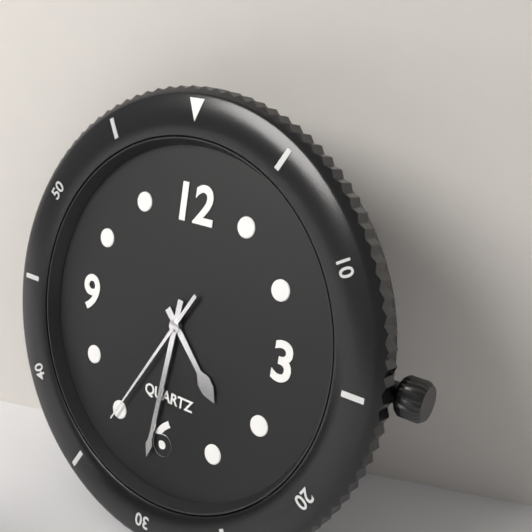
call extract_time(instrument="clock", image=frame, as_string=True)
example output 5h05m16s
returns 4h31m35s
